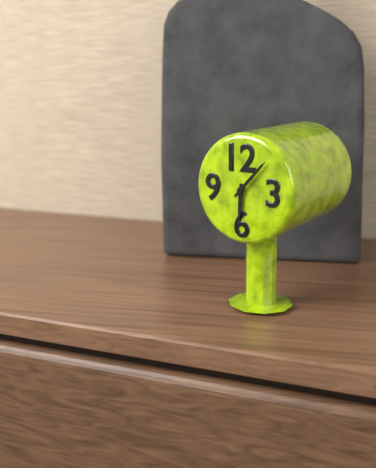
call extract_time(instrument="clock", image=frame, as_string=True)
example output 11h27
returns 6h07
